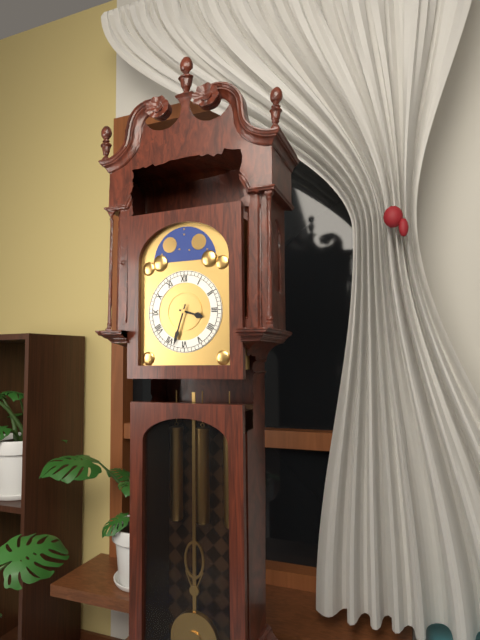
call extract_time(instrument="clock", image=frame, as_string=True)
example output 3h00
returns 3h33
